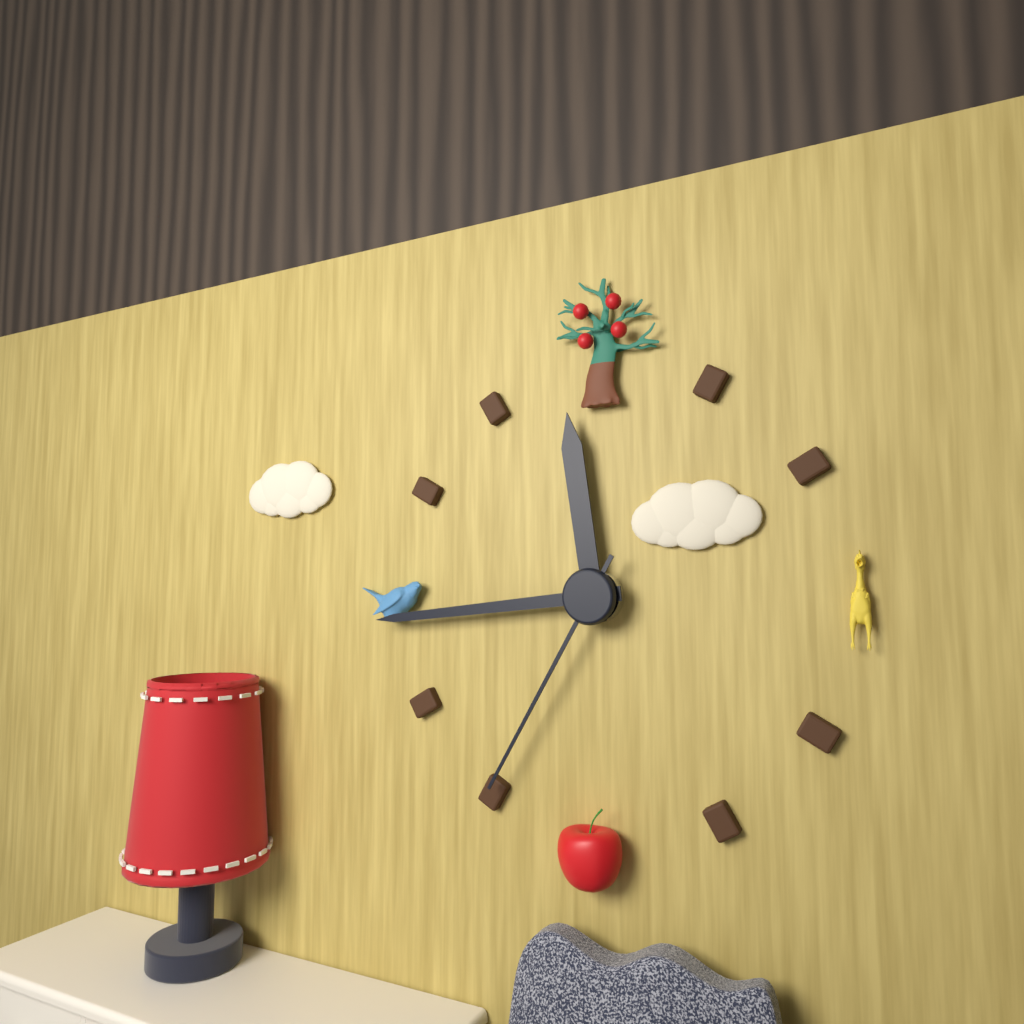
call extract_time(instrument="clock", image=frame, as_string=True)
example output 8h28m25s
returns 11h44m35s
